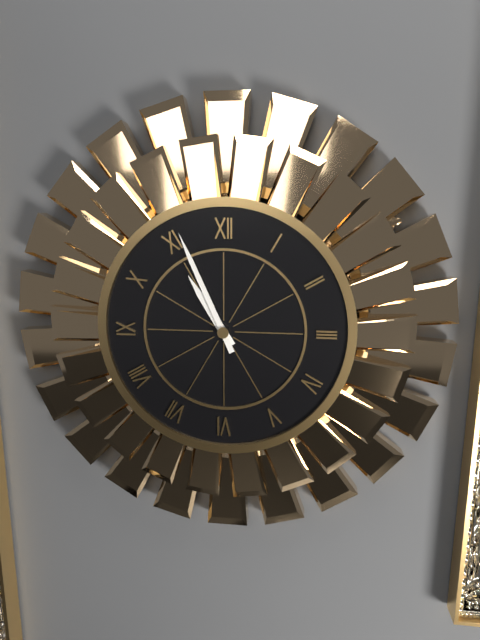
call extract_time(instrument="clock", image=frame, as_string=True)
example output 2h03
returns 10h56
